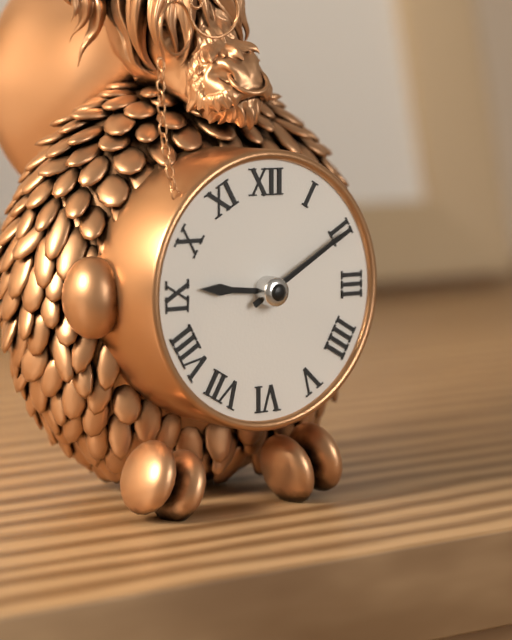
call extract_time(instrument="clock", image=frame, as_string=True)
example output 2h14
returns 9h10
